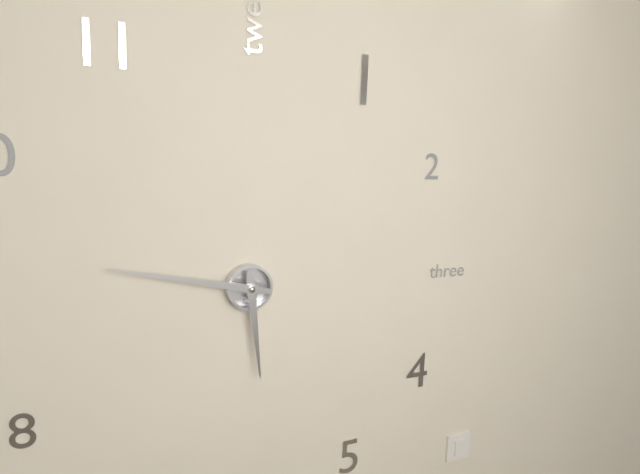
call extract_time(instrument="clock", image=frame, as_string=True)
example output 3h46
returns 5h47
